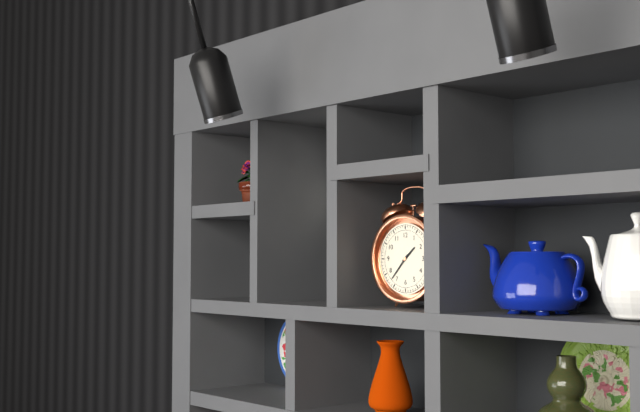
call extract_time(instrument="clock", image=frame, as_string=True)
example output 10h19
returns 1h37
